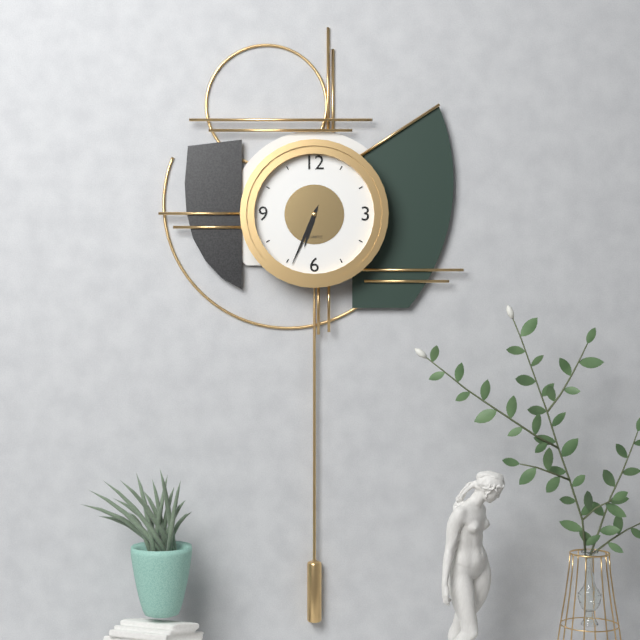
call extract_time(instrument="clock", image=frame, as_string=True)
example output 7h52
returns 6h34
